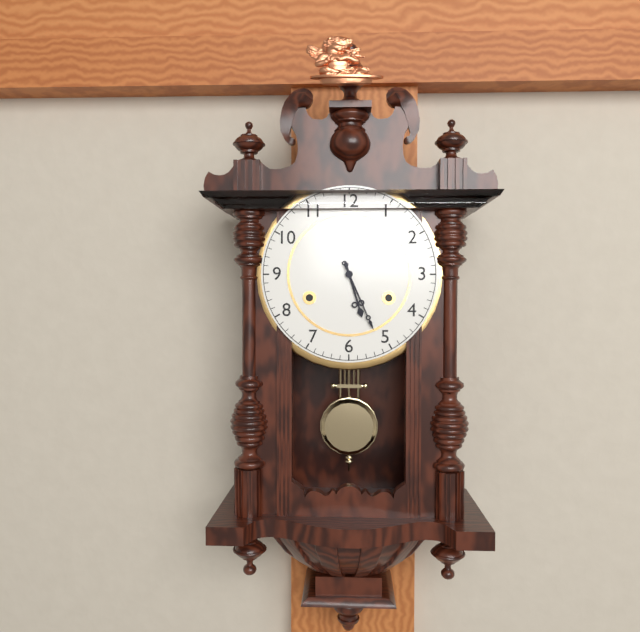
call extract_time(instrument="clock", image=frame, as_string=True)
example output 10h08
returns 5h26
